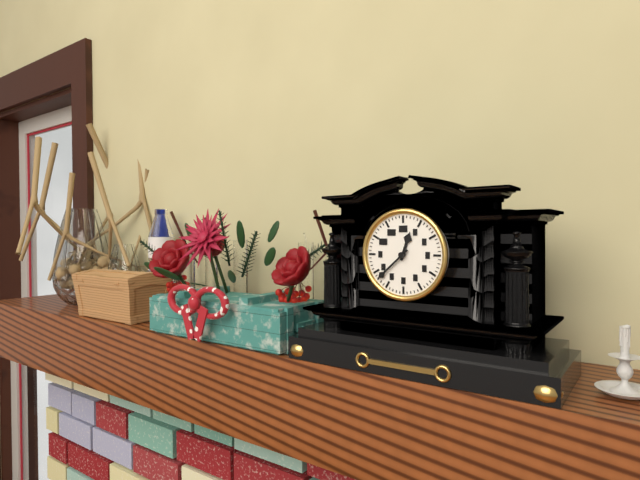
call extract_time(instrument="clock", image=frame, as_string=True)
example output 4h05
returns 12h38
